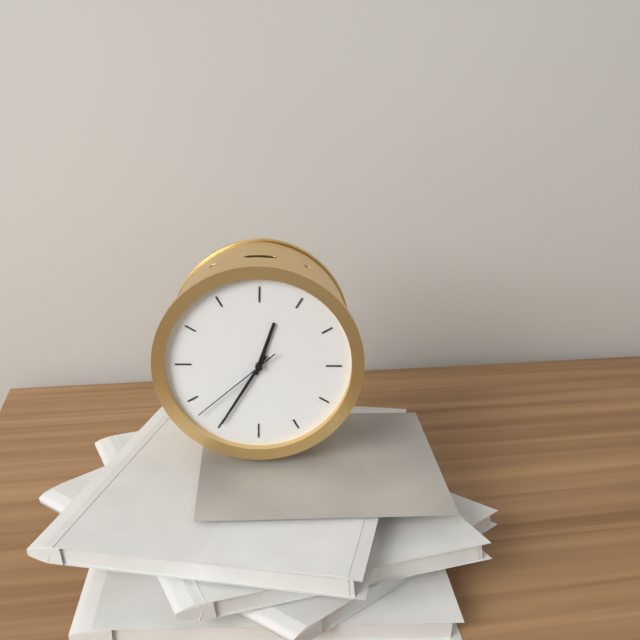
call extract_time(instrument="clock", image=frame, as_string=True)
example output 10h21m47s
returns 12h35m38s
